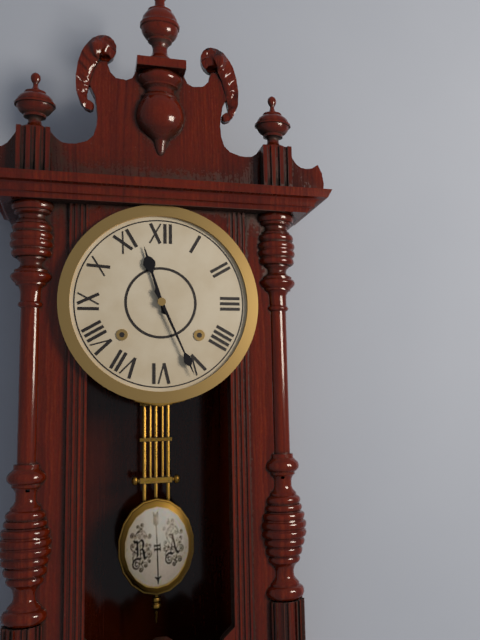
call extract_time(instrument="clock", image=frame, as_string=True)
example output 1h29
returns 11h26
